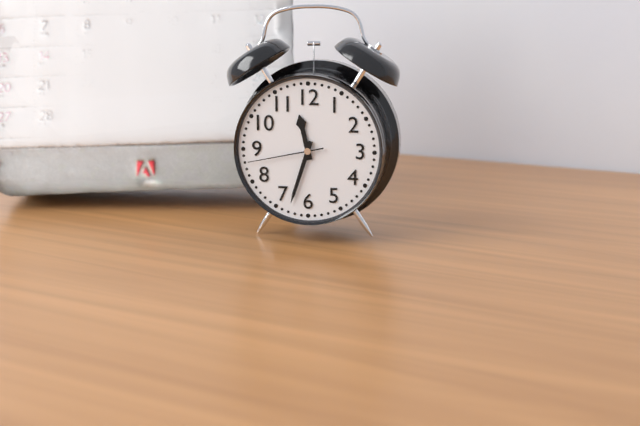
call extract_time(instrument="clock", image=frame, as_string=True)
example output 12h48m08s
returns 11h33m43s
